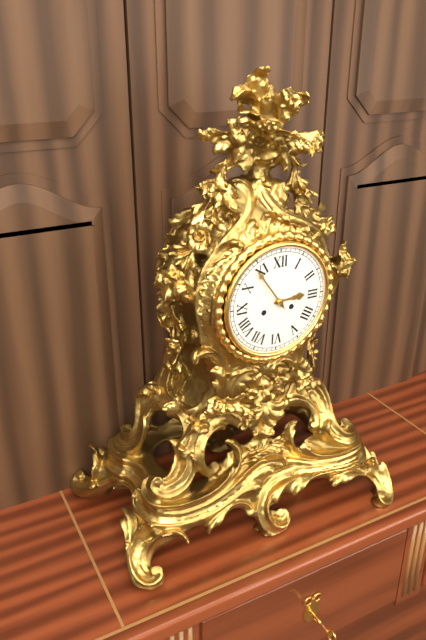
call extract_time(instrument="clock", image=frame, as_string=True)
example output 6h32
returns 2h54
